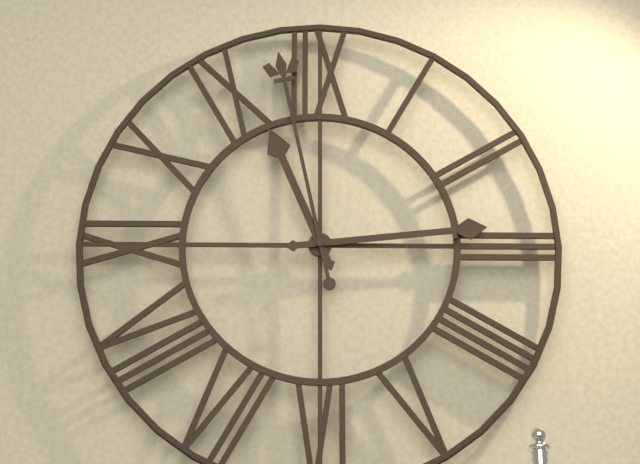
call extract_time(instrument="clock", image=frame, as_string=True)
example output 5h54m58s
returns 11h14m58s
